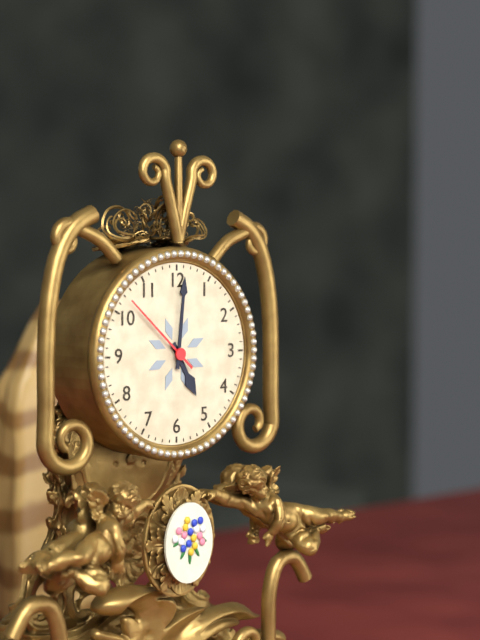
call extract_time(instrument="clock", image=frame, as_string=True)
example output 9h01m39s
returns 5h01m52s
